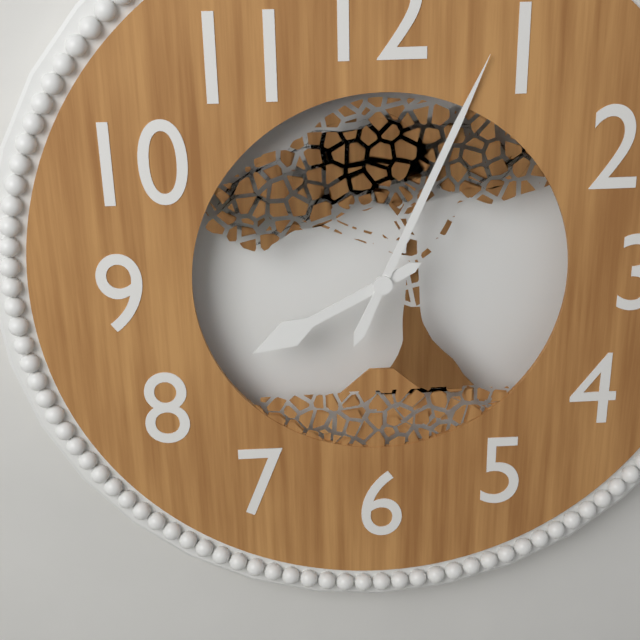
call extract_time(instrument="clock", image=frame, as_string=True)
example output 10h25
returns 8h04
